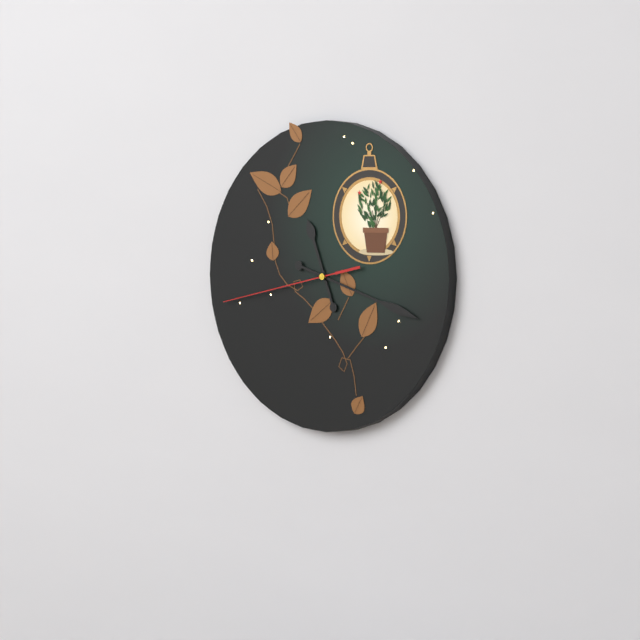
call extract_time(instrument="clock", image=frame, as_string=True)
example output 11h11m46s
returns 11h18m43s
